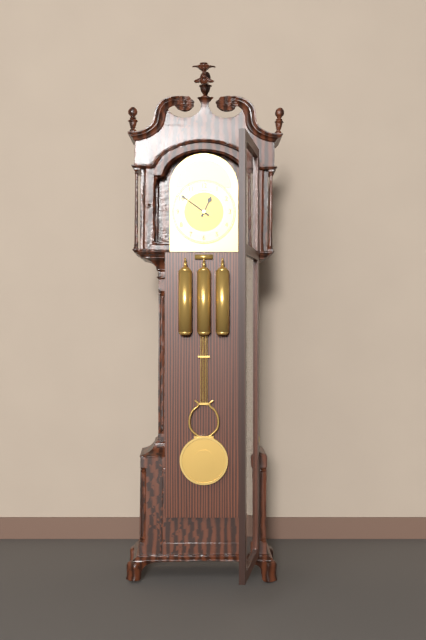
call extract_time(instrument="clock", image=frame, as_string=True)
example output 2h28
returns 12h51
